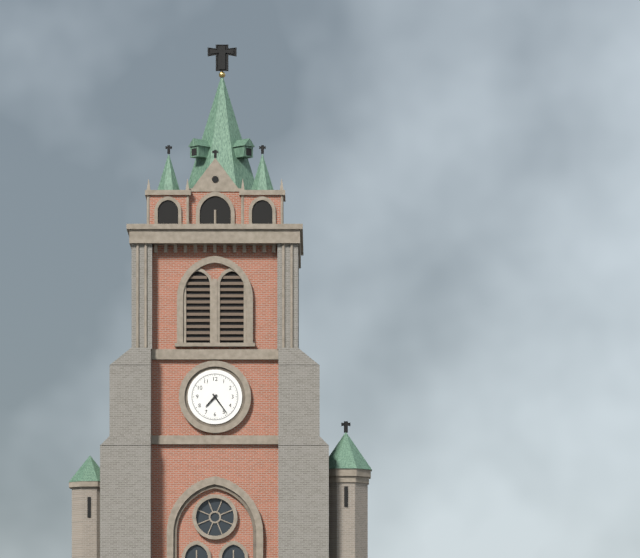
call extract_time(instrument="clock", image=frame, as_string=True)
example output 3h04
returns 7h24
